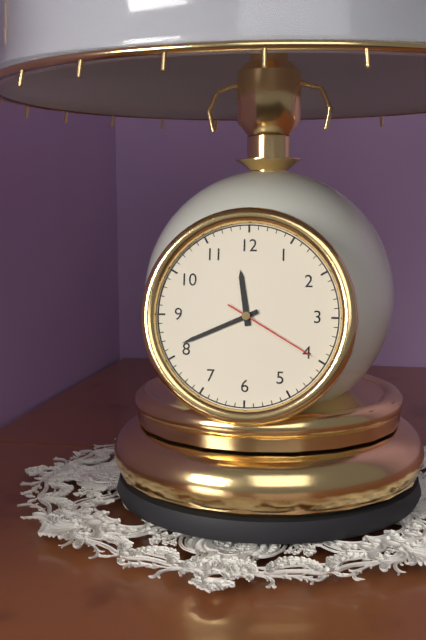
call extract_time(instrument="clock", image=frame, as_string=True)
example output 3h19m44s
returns 11h41m20s
